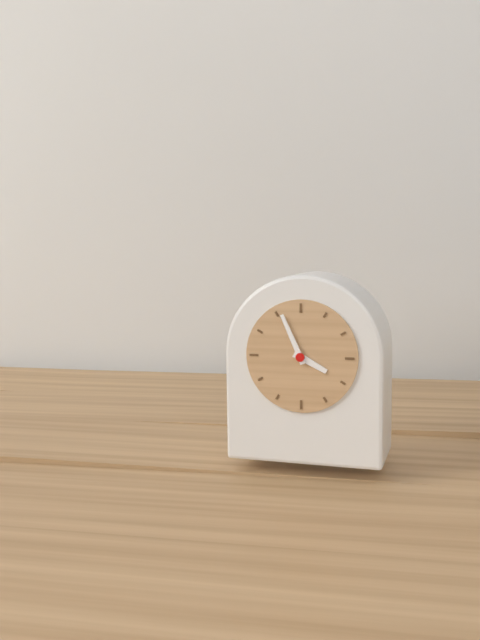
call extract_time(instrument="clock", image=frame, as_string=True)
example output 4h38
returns 3h56
